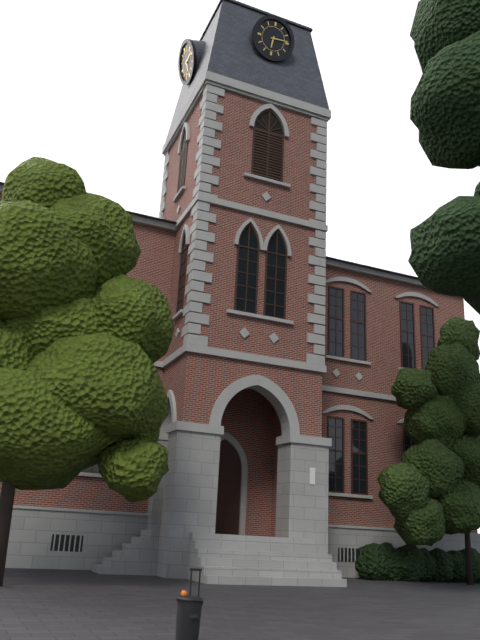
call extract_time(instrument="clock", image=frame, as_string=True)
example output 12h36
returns 6h14
